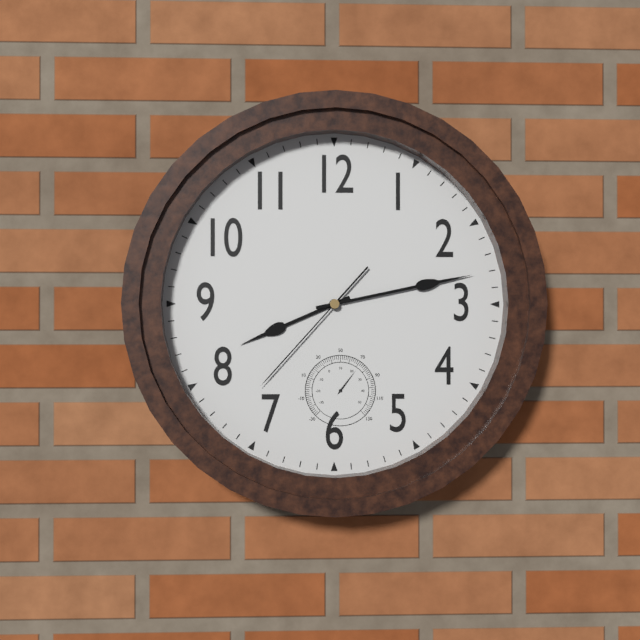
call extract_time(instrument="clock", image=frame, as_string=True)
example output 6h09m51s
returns 8h13m37s
